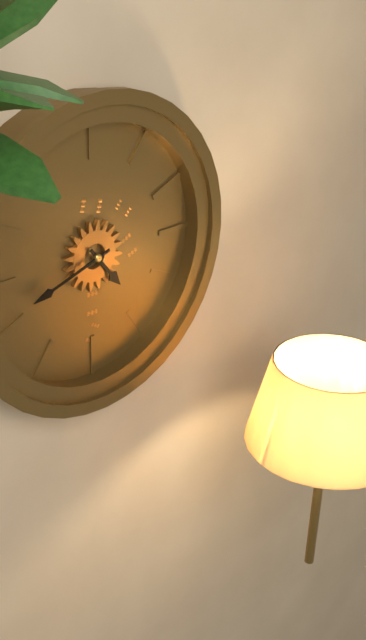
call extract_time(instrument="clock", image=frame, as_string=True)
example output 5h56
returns 4h42
